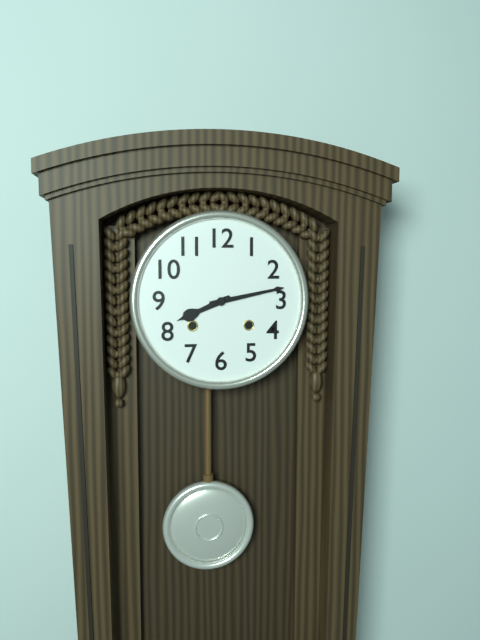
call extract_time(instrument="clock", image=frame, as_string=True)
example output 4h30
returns 8h13
